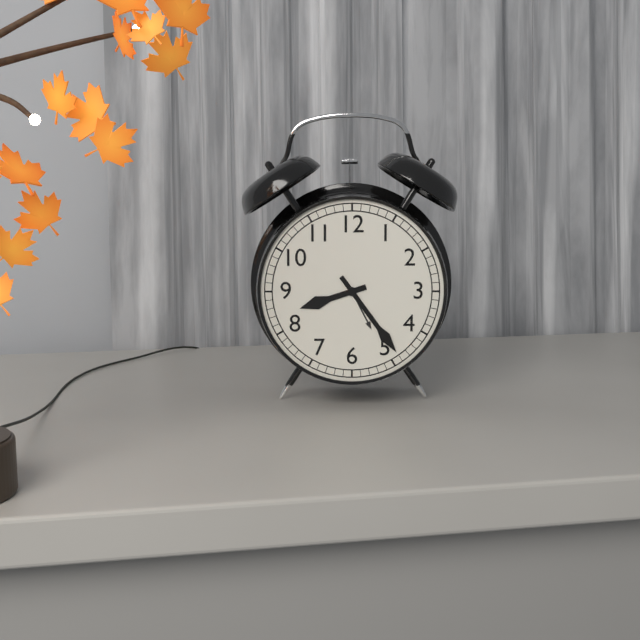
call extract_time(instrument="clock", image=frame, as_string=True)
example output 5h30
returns 8h24
